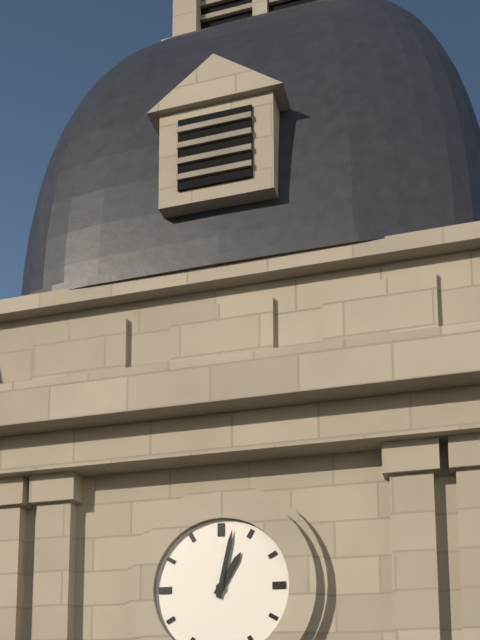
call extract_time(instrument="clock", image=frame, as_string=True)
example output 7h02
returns 1h02
